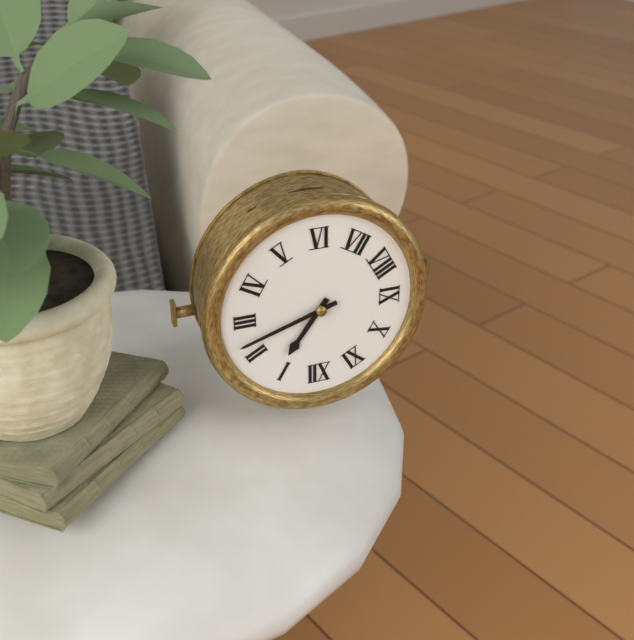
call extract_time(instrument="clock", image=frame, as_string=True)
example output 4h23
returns 1h12
